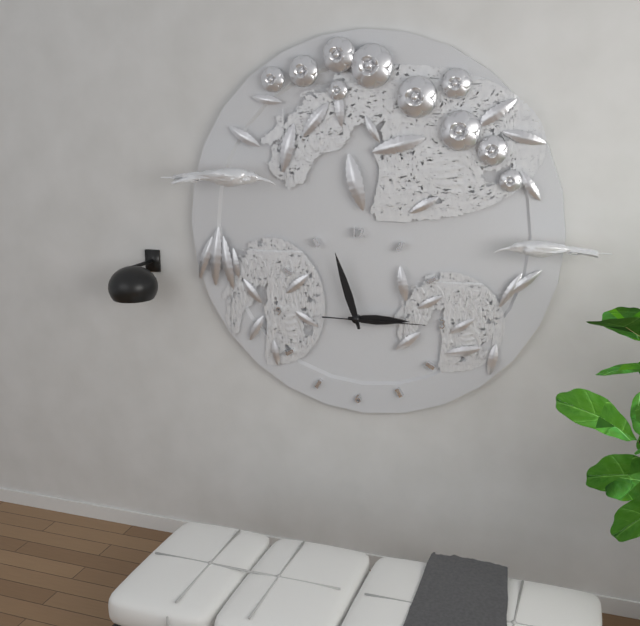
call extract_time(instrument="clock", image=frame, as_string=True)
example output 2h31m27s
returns 2h57m15s
